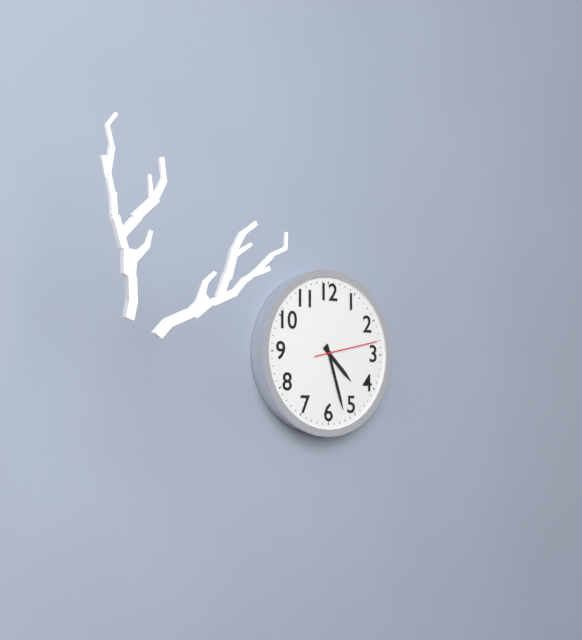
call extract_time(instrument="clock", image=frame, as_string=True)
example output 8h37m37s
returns 4h27m13s
